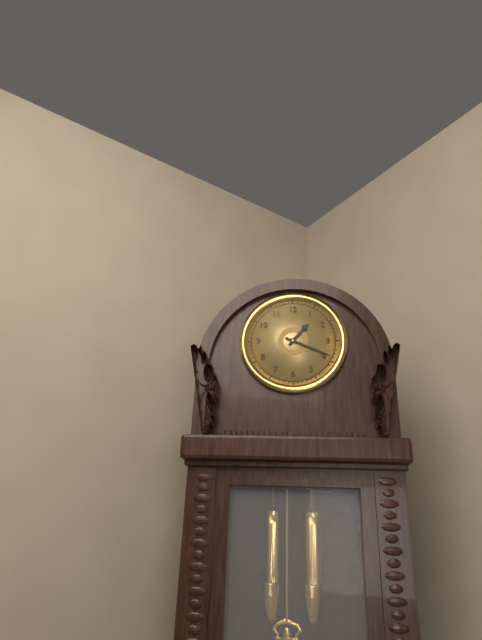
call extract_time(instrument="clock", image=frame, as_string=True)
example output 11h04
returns 1h19
